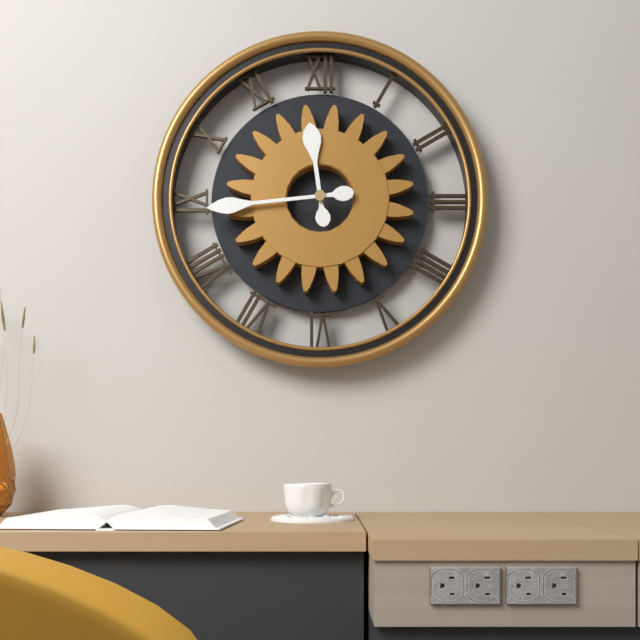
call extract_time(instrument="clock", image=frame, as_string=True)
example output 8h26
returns 11h44
